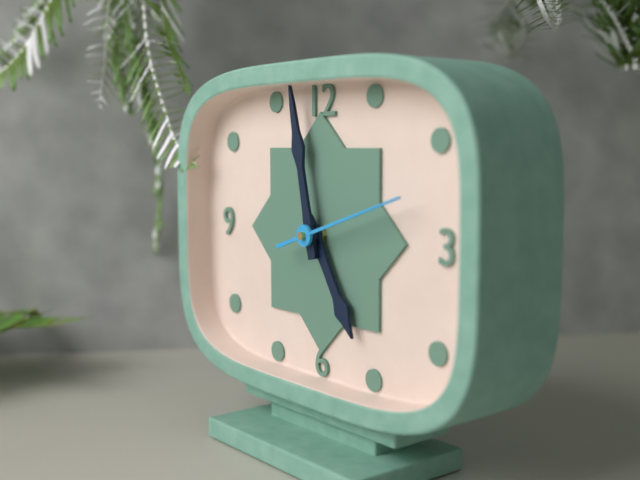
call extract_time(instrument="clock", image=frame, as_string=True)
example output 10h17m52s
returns 4h58m12s
